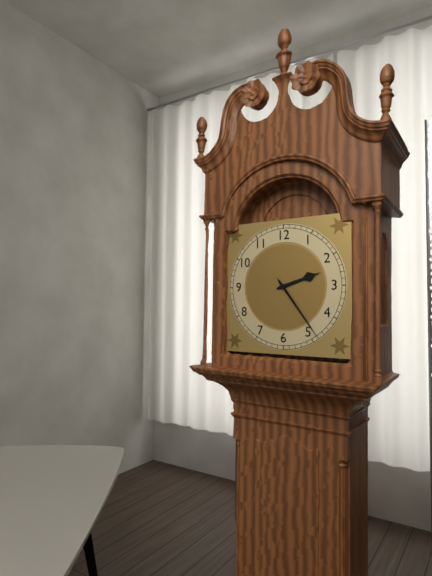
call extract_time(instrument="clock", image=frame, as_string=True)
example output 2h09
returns 2h24
